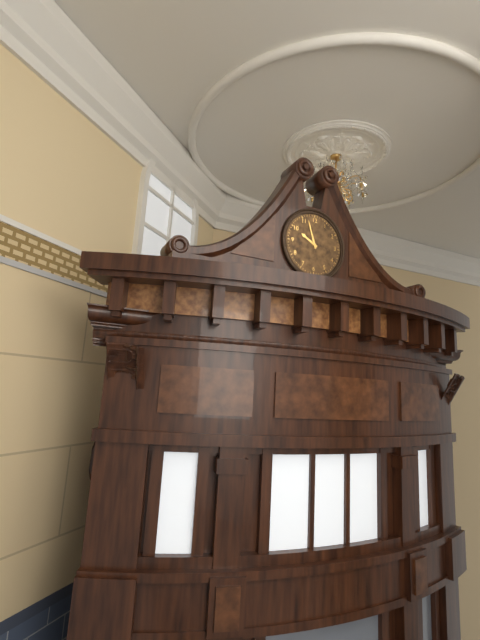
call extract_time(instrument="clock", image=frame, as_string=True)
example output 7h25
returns 9h57
